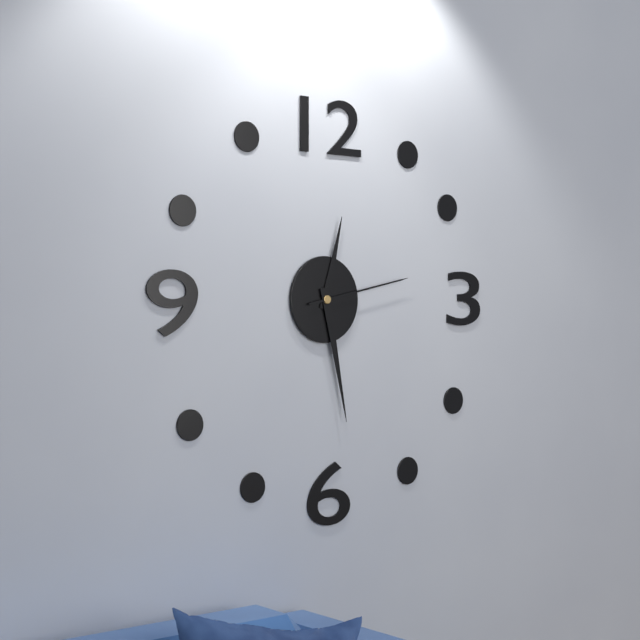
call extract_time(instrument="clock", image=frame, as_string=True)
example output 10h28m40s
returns 12h28m13s
